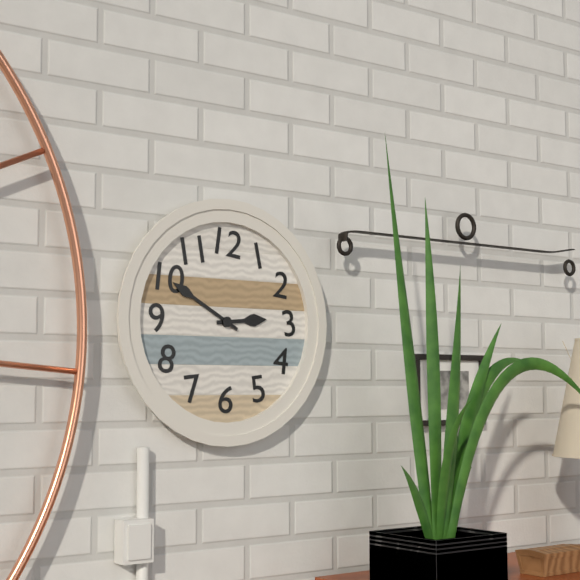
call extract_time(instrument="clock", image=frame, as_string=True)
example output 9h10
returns 2h50
